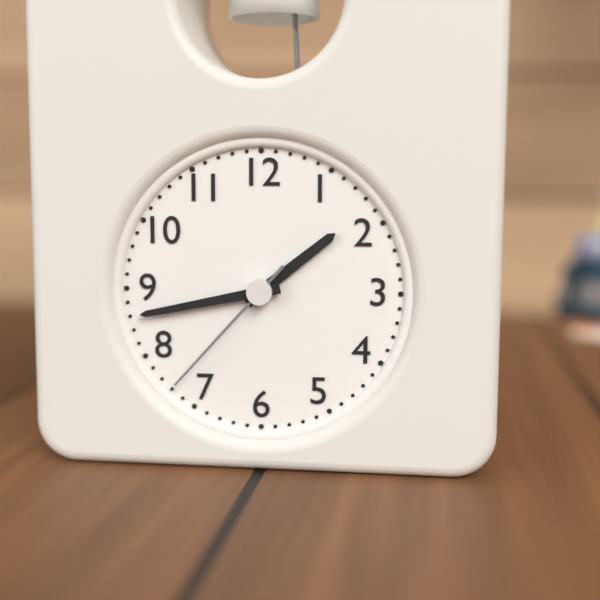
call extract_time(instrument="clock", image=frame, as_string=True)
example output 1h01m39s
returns 1h43m37s
